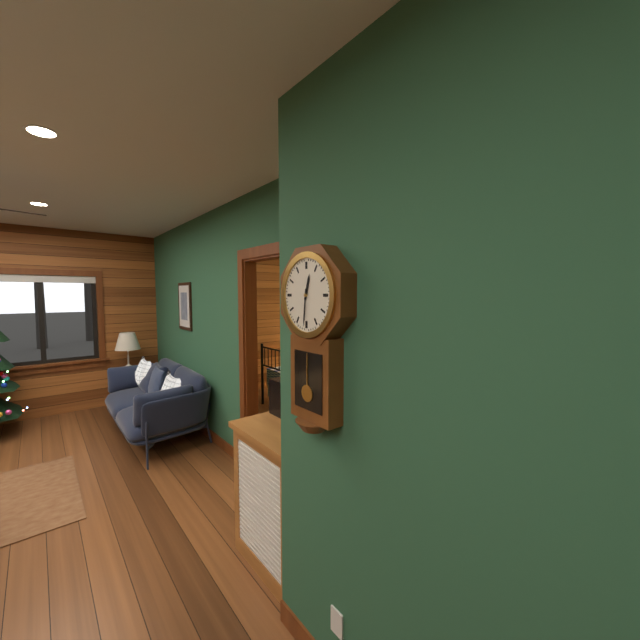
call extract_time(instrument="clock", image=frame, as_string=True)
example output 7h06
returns 12h31
